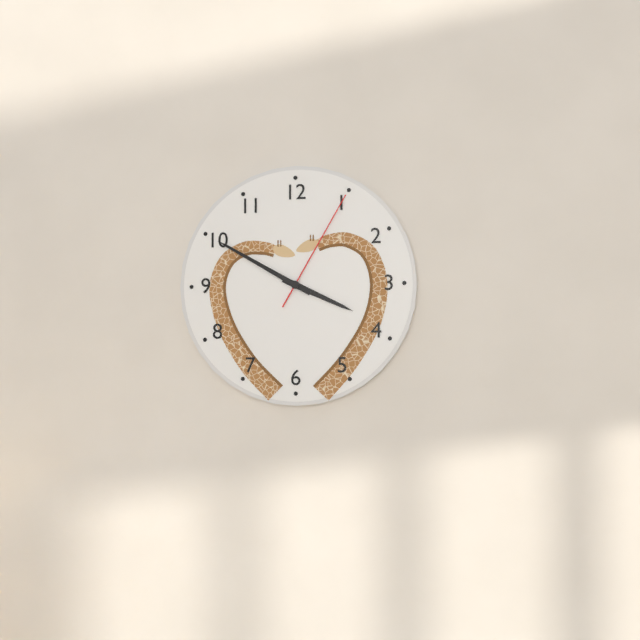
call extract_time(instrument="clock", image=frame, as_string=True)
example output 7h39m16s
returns 3h50m05s
